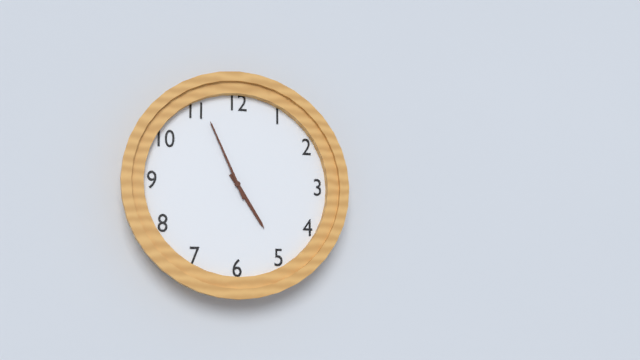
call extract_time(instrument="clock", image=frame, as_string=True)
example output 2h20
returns 4h56
